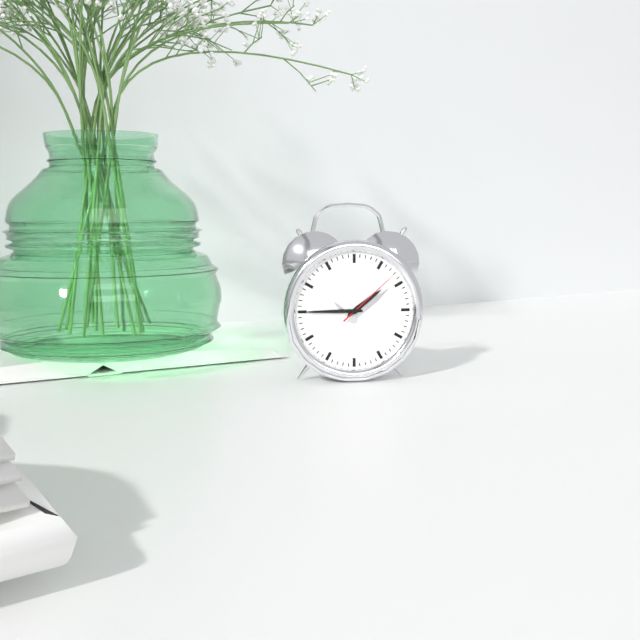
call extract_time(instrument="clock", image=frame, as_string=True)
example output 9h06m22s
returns 1h45m08s
